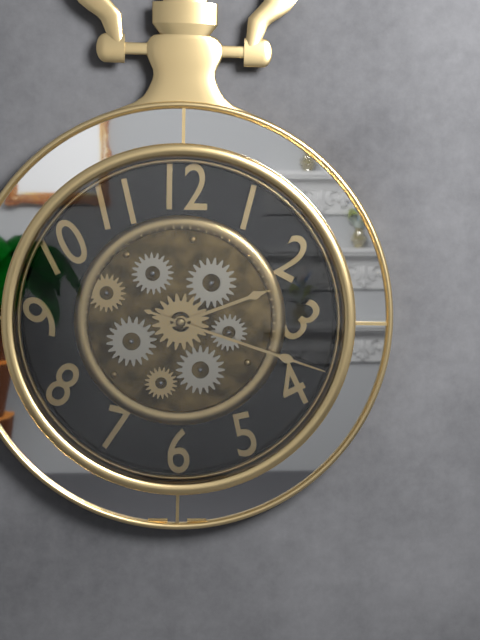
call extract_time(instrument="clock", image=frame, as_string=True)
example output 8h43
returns 2h18
